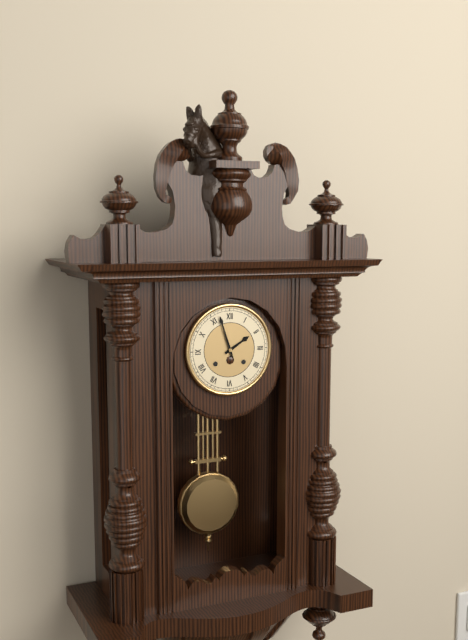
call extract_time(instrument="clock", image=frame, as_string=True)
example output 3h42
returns 1h57
